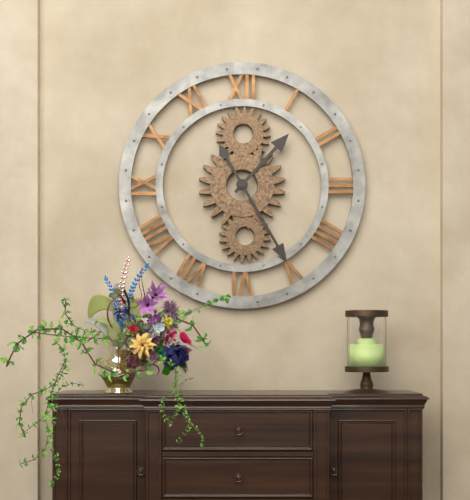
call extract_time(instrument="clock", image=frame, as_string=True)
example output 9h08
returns 1h25
